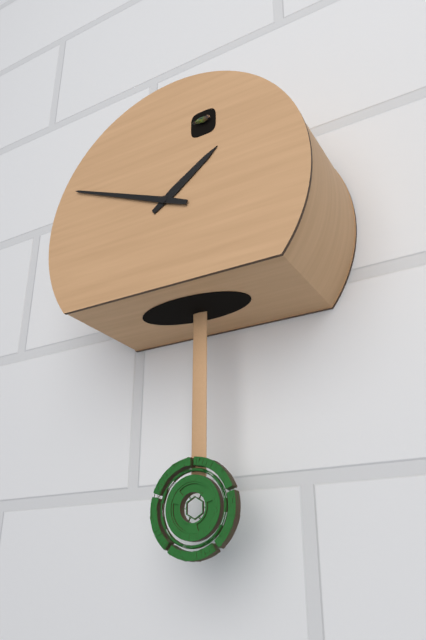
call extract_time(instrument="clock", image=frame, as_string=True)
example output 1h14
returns 1h49
